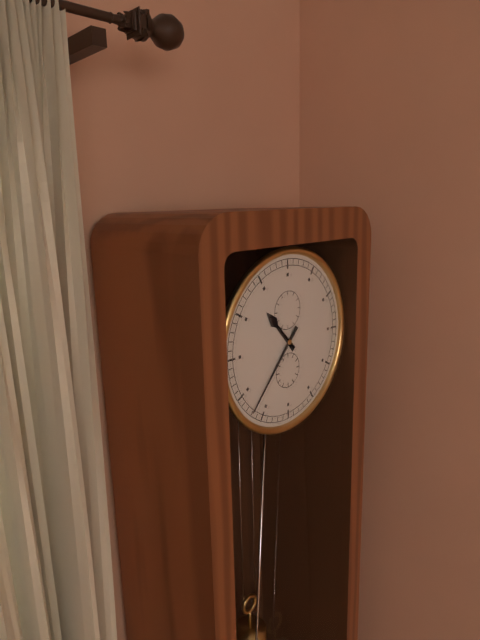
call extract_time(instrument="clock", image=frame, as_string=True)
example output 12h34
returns 10h37
